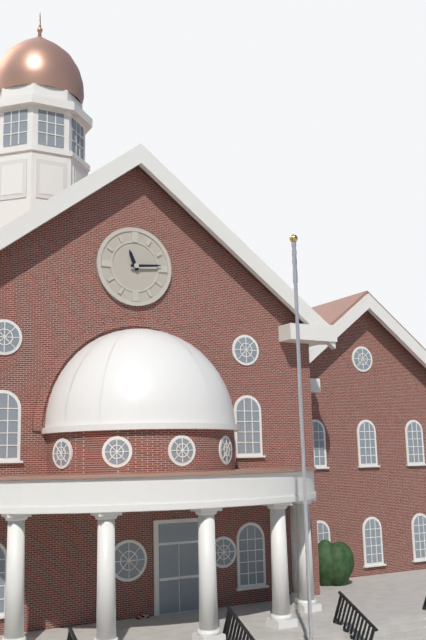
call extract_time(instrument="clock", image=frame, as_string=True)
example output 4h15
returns 11h14
